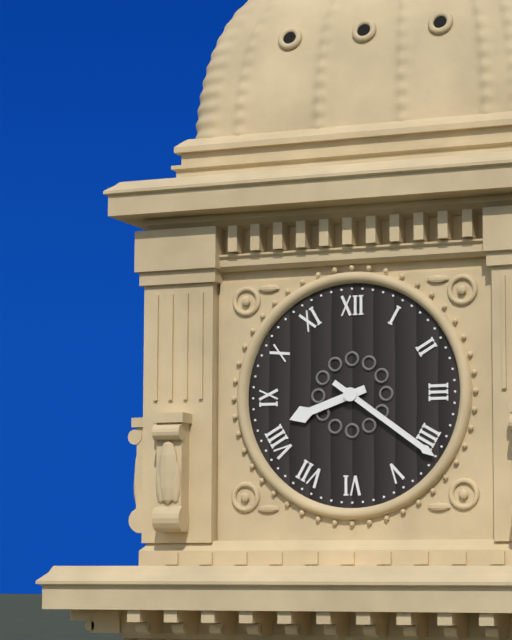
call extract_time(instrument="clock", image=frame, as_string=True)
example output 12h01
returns 8h21
